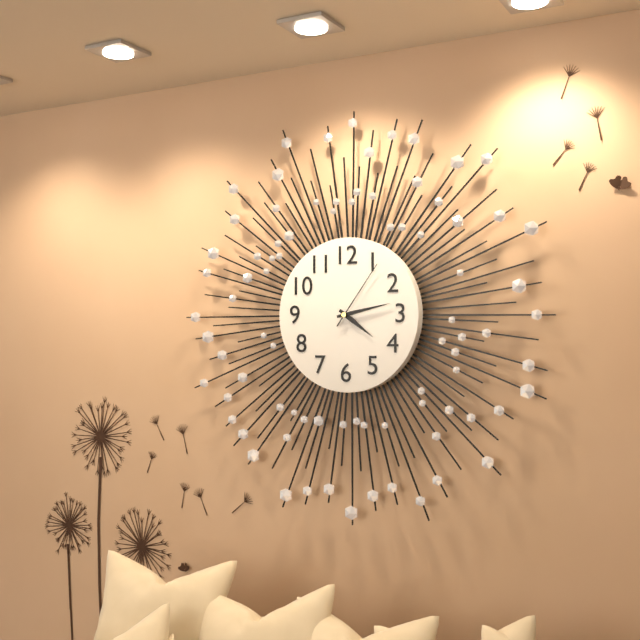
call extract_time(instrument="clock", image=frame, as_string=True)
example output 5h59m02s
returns 4h13m06s
